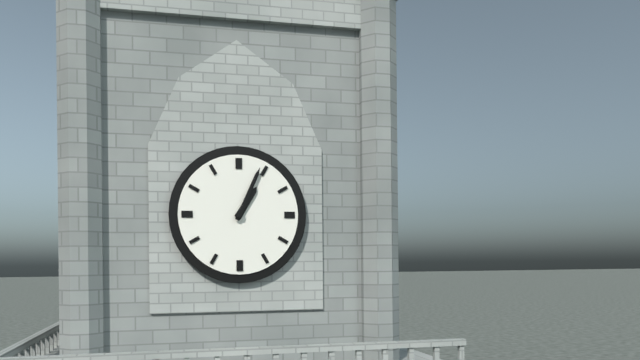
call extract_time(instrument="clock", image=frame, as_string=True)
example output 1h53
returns 1h04
